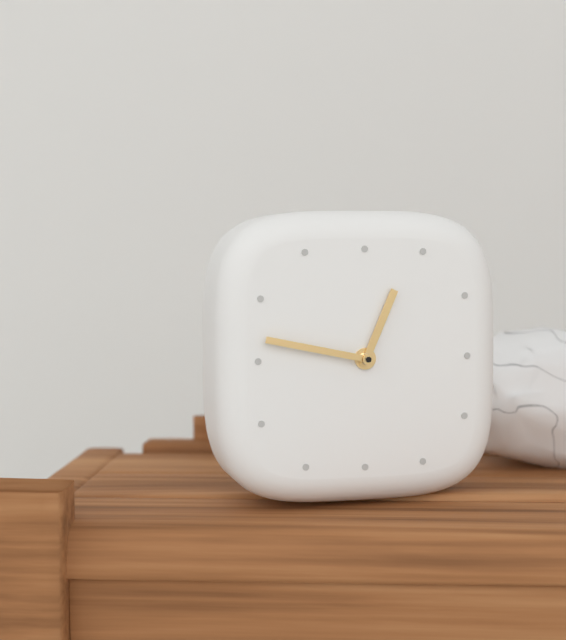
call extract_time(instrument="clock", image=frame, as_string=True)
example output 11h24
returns 12h47
